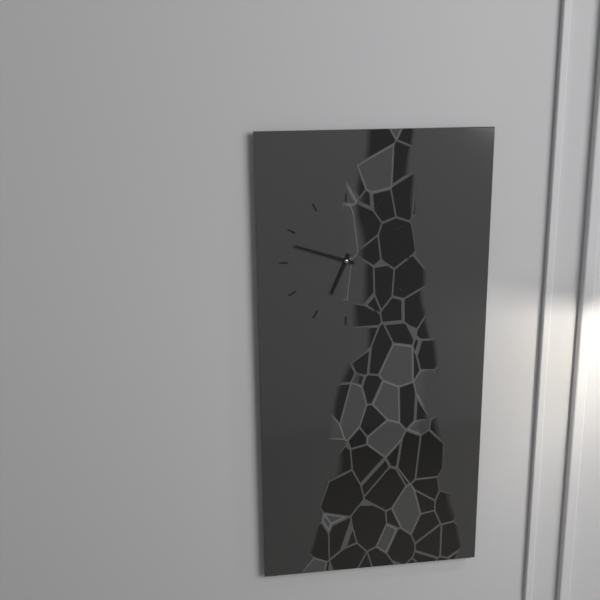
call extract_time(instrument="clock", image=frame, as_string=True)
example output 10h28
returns 6h48
